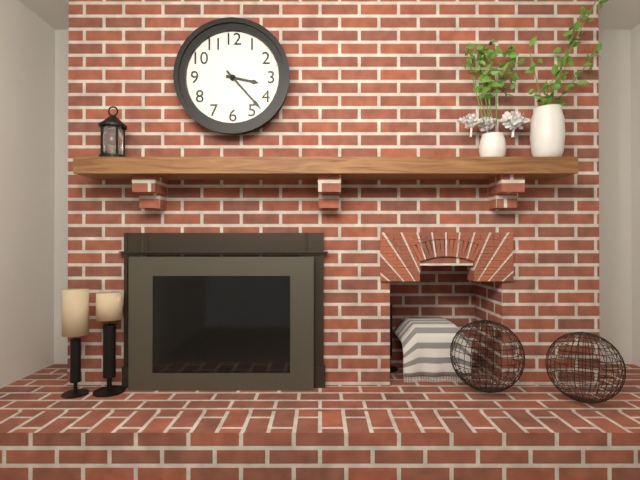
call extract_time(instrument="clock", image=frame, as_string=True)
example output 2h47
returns 3h23
